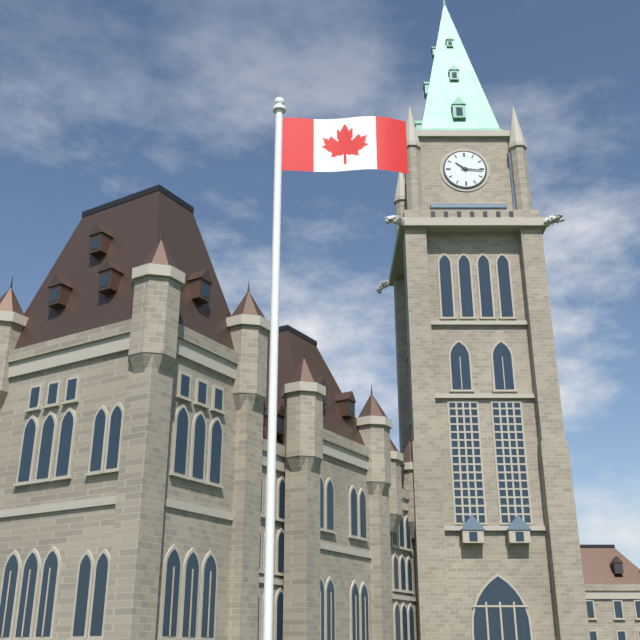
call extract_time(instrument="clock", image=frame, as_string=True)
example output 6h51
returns 10h16
